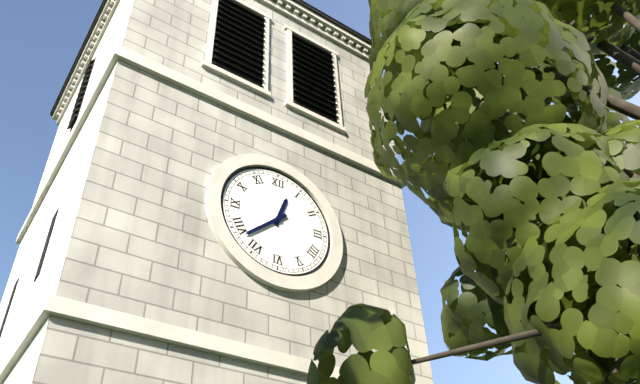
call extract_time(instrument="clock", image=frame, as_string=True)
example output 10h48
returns 12h38
